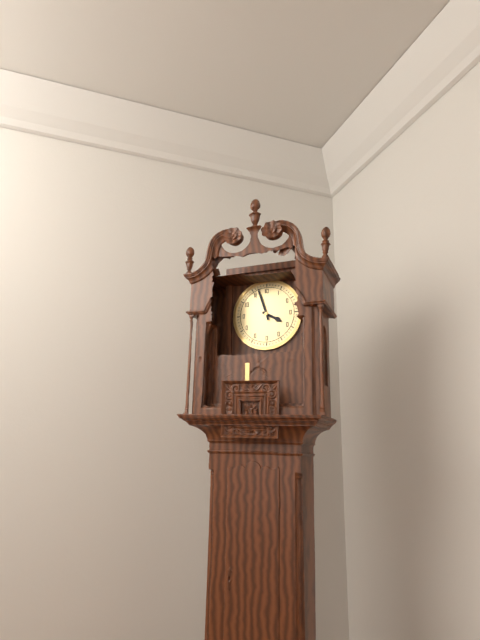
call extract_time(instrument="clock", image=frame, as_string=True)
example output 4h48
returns 3h57
